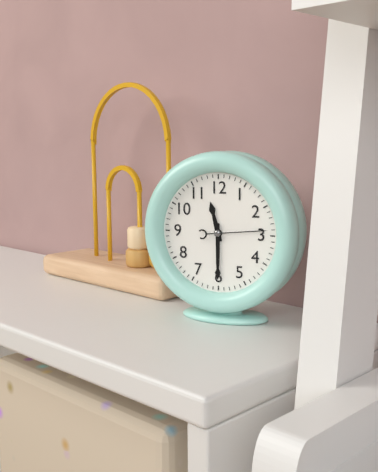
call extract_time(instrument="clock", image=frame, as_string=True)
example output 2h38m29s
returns 11h30m14s
